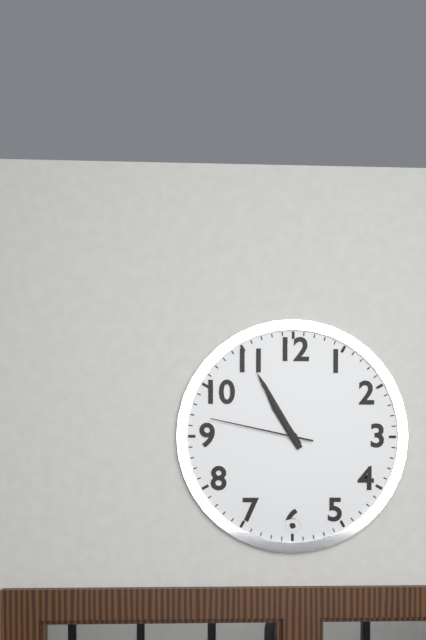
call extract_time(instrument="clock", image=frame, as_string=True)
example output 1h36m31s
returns 10h55m47s
